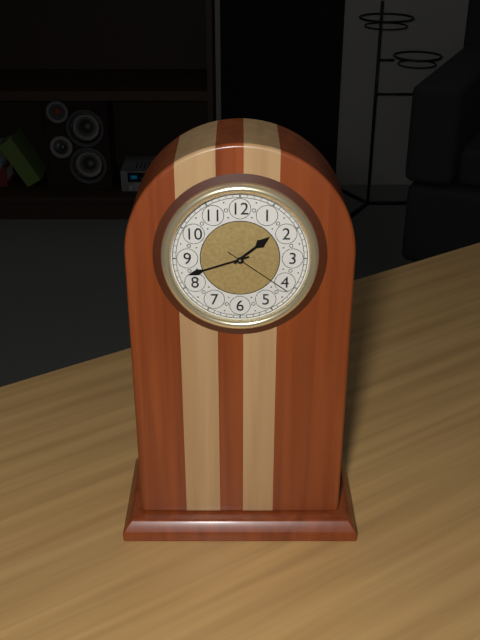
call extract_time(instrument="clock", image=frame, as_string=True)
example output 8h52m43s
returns 1h42m21s
